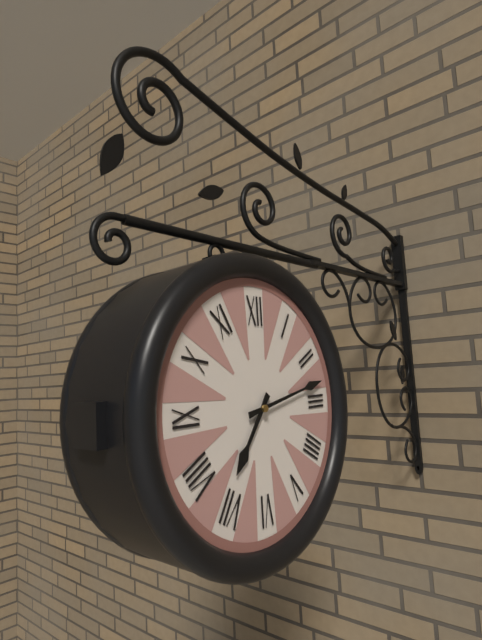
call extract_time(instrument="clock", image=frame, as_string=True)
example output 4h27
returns 7h13
